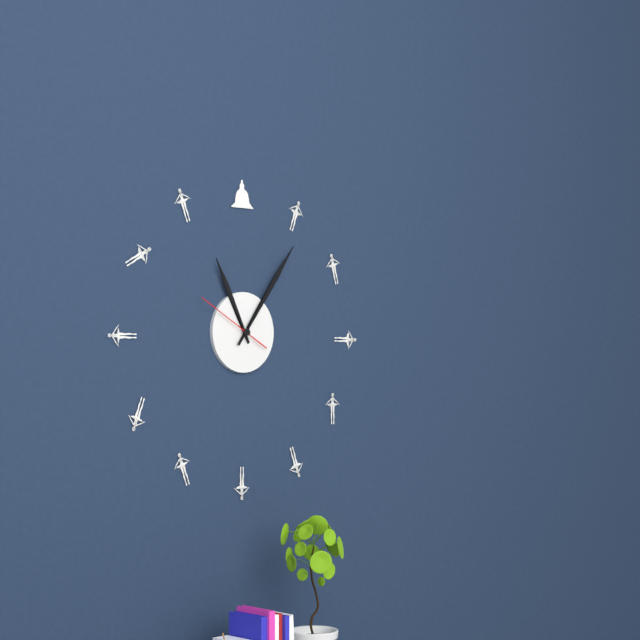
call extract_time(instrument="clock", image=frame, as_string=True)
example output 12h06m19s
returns 11h06m50s
